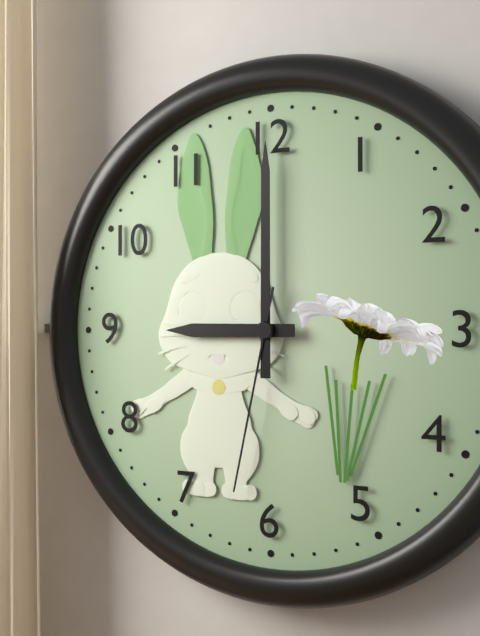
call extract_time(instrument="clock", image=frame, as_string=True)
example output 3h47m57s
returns 9h00m32s
